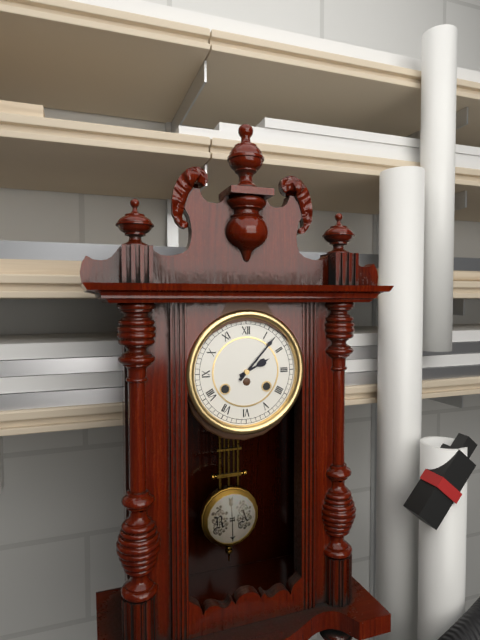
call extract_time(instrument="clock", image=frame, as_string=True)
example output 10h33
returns 2h07
